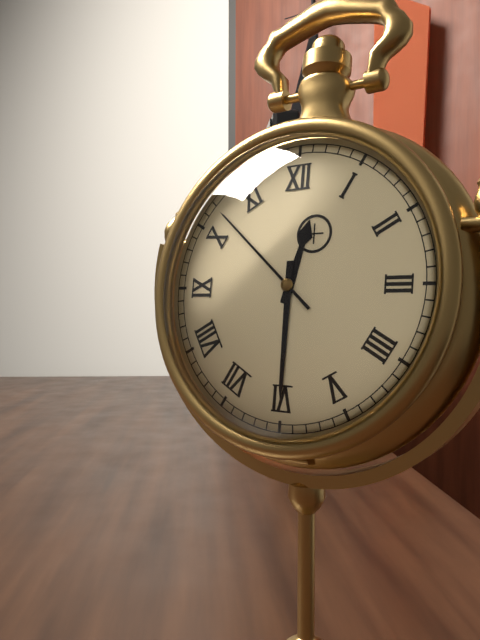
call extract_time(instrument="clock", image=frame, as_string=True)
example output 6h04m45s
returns 12h30m52s
